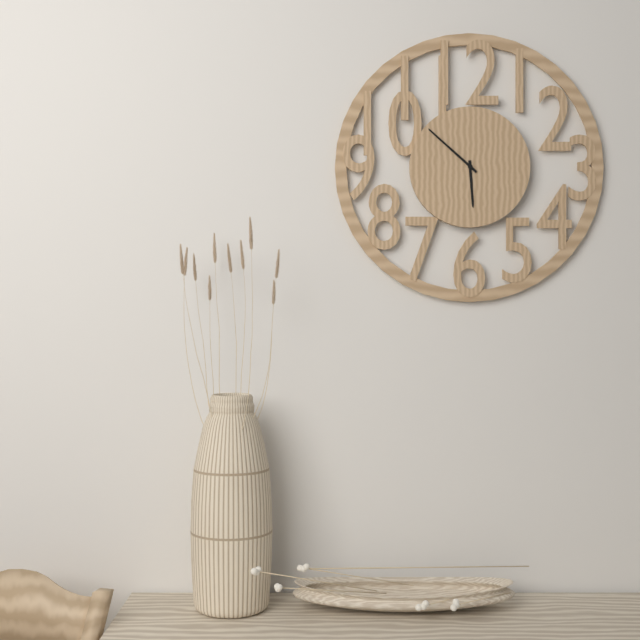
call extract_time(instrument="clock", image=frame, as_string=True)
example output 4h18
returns 5h52
